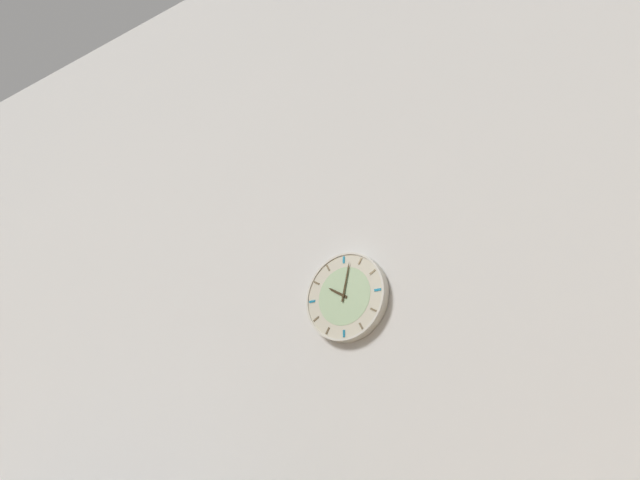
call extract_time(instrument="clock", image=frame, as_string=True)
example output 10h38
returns 10h02
